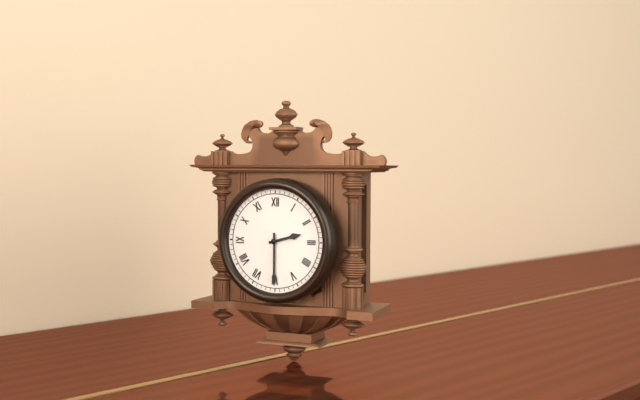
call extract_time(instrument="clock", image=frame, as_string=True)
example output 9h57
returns 2h30
